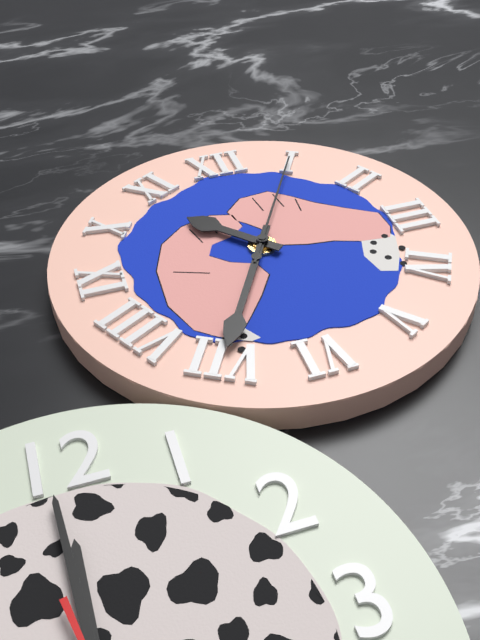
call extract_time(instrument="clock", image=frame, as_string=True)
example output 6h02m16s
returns 10h35m05s
